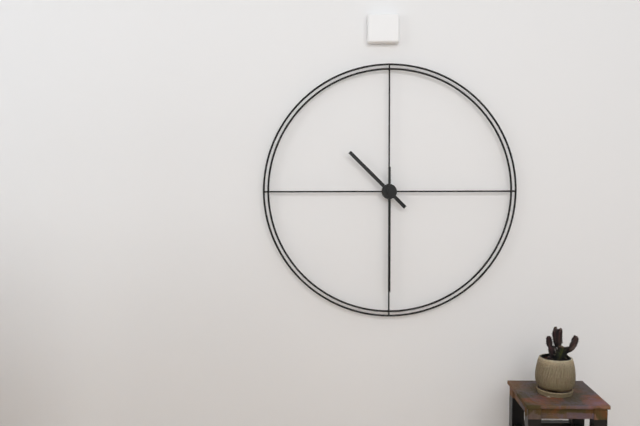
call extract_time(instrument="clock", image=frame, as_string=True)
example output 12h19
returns 10h30
